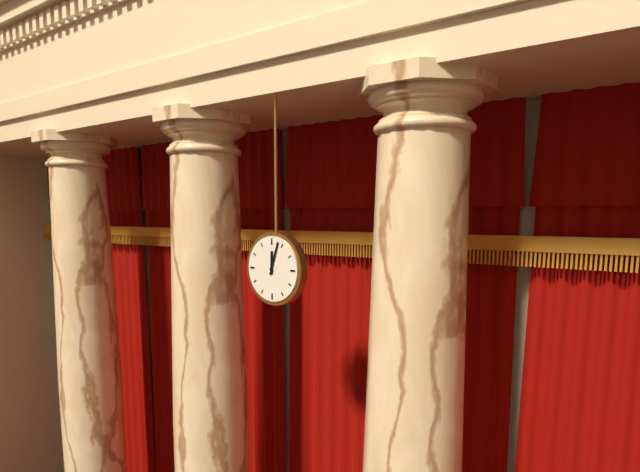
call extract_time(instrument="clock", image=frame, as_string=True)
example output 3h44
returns 12h03
